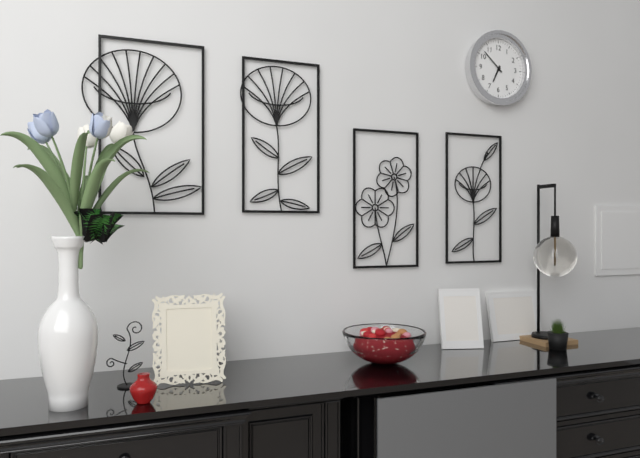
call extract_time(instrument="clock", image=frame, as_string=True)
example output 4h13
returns 6h52
